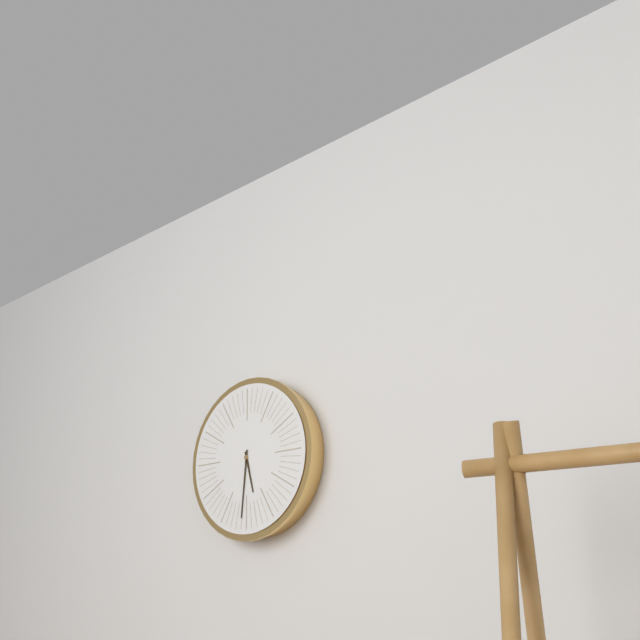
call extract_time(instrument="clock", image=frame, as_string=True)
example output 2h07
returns 5h31
